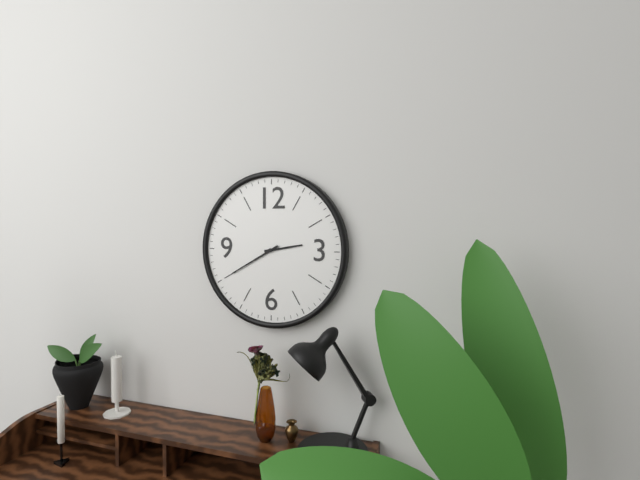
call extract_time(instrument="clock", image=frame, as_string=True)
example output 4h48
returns 2h40
